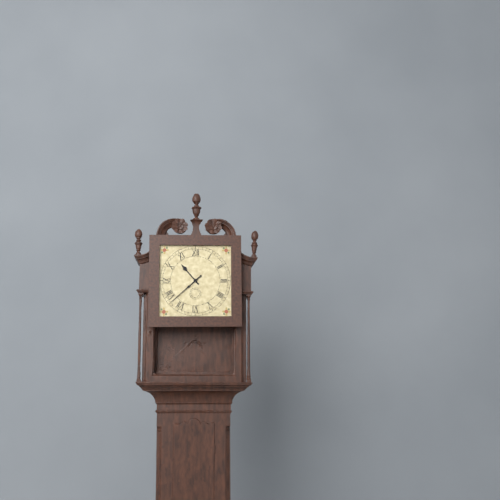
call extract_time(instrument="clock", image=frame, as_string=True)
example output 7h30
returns 10h38
